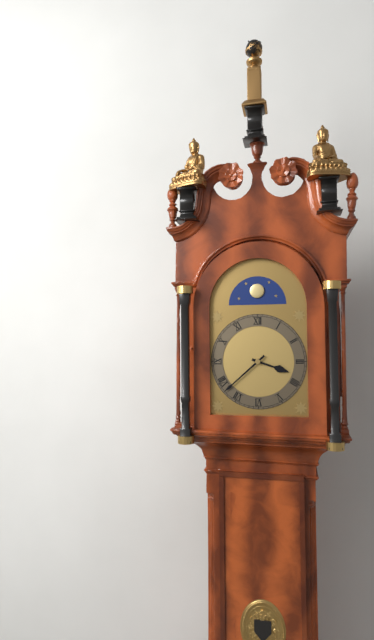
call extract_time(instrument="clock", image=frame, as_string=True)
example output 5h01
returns 3h38
